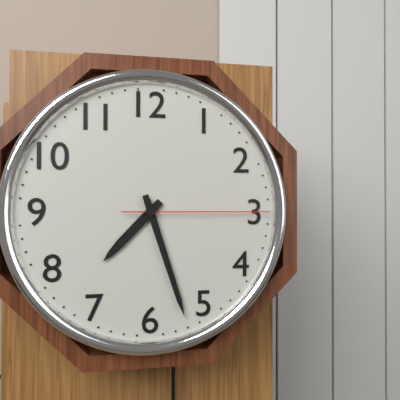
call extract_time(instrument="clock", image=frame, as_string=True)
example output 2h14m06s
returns 7h27m15s
